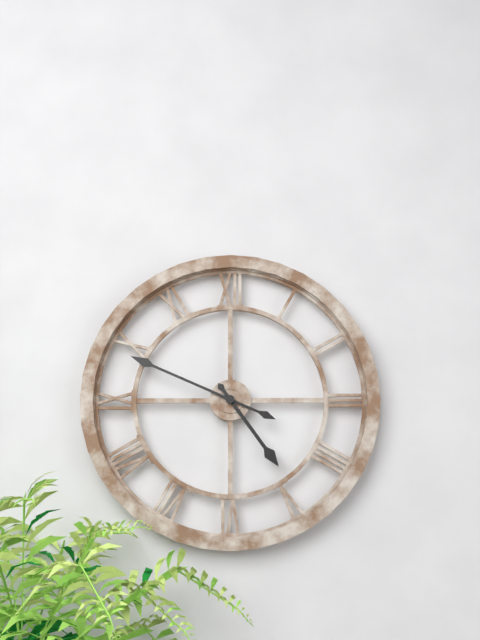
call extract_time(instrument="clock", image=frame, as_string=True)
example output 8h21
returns 4h49
